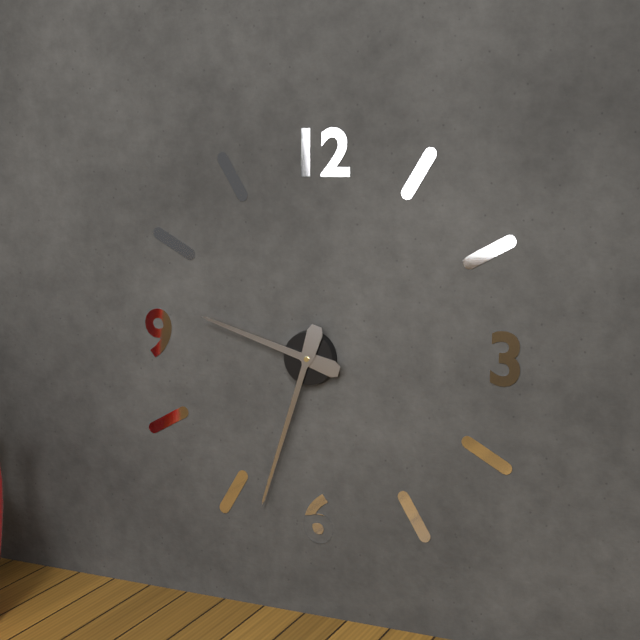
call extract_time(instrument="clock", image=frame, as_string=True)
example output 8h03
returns 9h33
